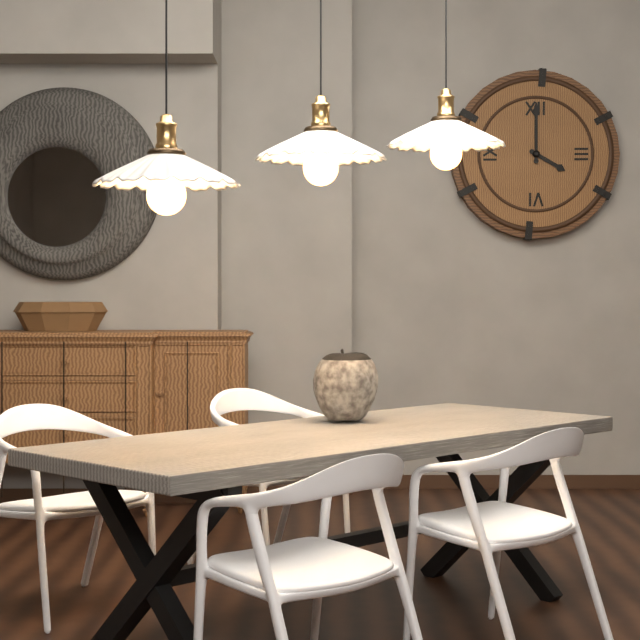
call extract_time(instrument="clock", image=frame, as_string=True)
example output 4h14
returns 4h00
